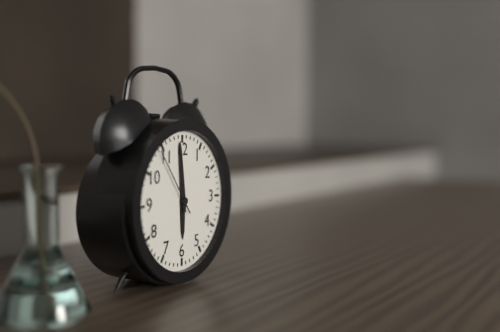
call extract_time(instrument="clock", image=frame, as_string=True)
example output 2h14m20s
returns 5h59m54s
